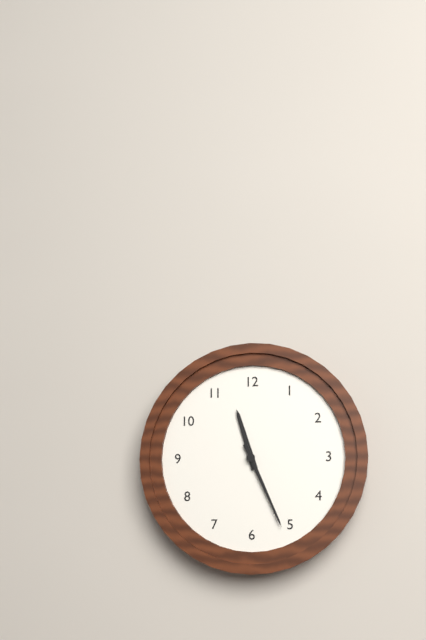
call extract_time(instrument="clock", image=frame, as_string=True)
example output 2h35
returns 11h26
